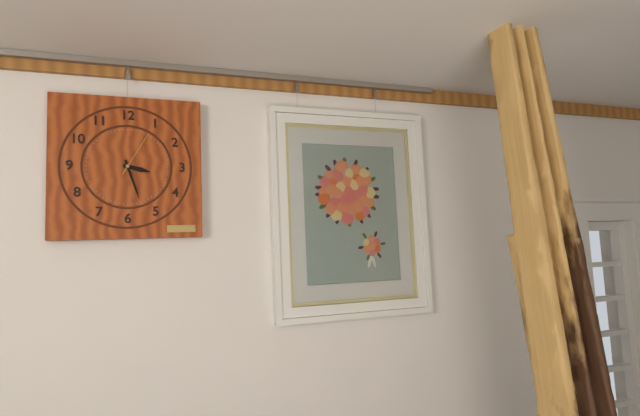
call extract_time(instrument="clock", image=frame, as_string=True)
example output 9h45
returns 3h27
